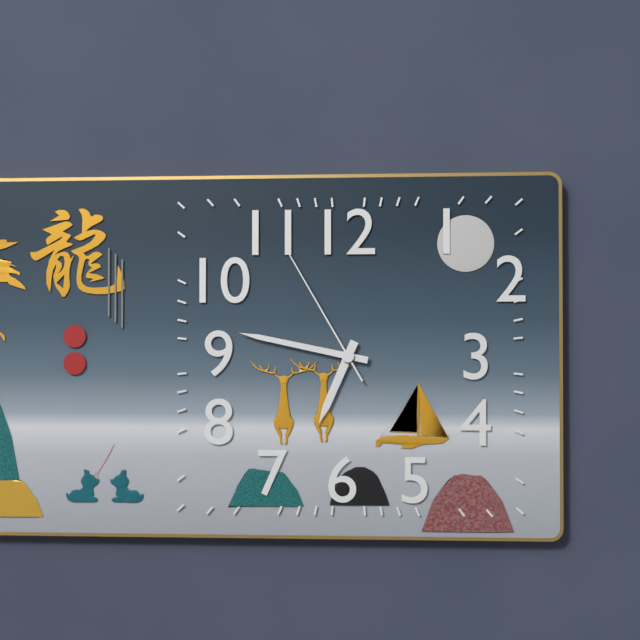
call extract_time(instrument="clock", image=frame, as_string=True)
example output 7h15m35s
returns 6h47m55s
